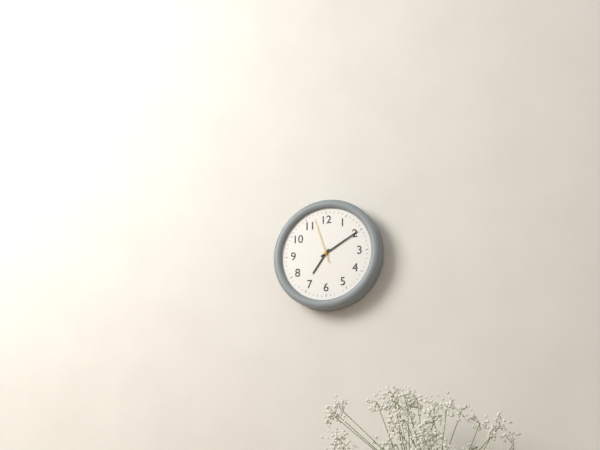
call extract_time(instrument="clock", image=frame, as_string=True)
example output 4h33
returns 7h10
